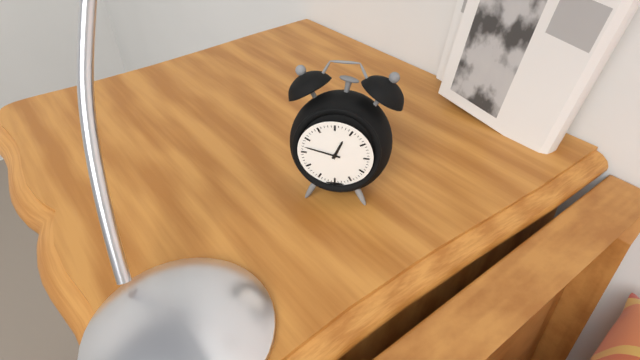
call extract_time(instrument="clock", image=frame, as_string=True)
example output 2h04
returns 12h47
